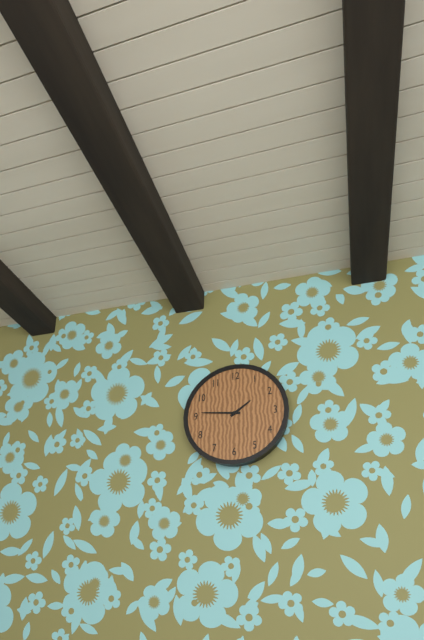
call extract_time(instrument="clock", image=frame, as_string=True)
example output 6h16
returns 1h46
